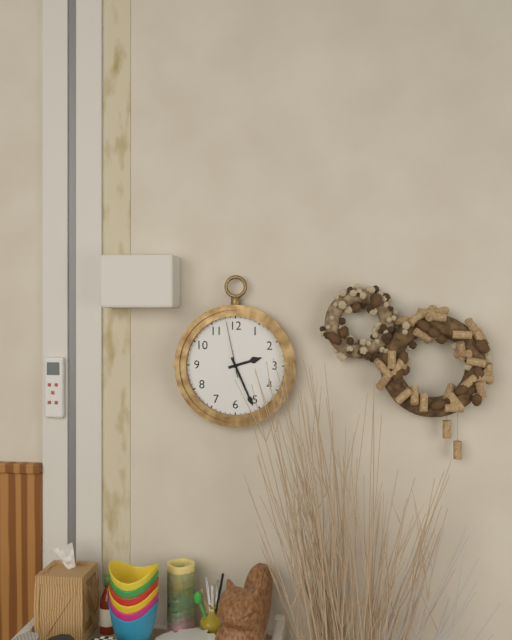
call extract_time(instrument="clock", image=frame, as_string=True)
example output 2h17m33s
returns 2h26m58s
